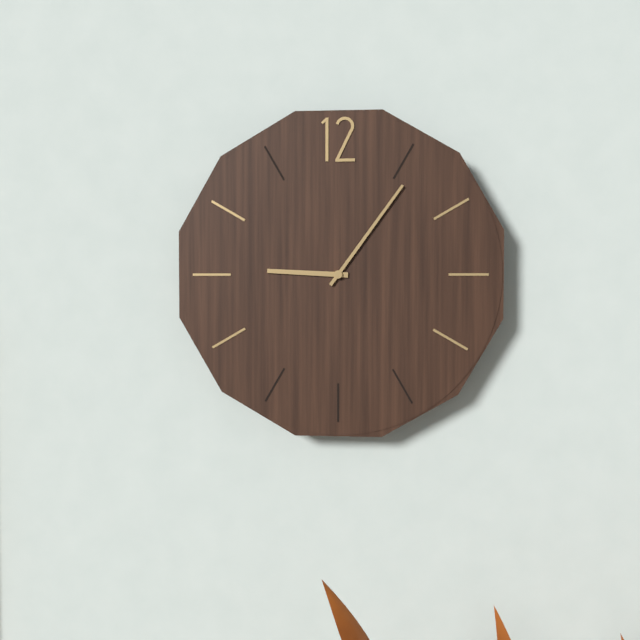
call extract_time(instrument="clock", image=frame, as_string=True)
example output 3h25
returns 9h06
